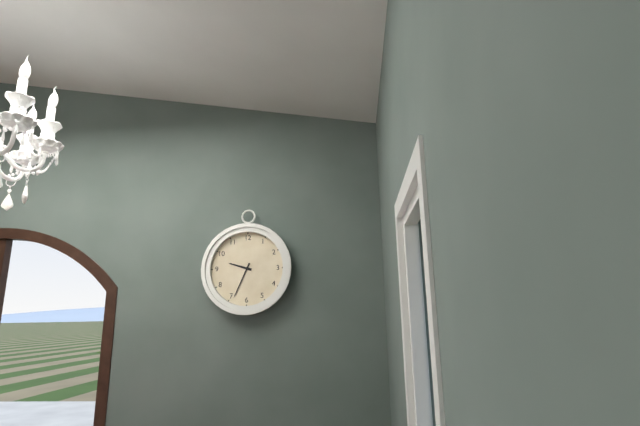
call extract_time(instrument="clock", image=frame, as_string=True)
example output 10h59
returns 9h34
